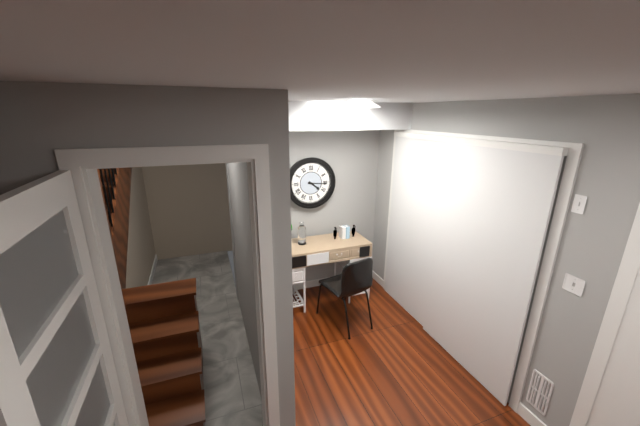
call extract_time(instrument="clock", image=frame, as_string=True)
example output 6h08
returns 4h16
